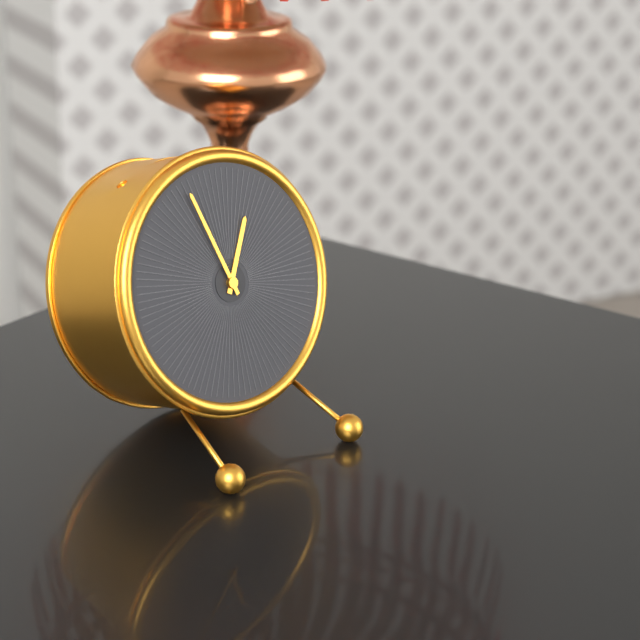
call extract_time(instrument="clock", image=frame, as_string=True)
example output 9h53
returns 12h57
